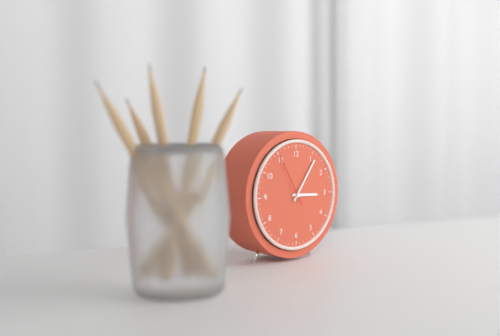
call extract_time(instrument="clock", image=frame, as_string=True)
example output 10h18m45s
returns 3h06m55s
